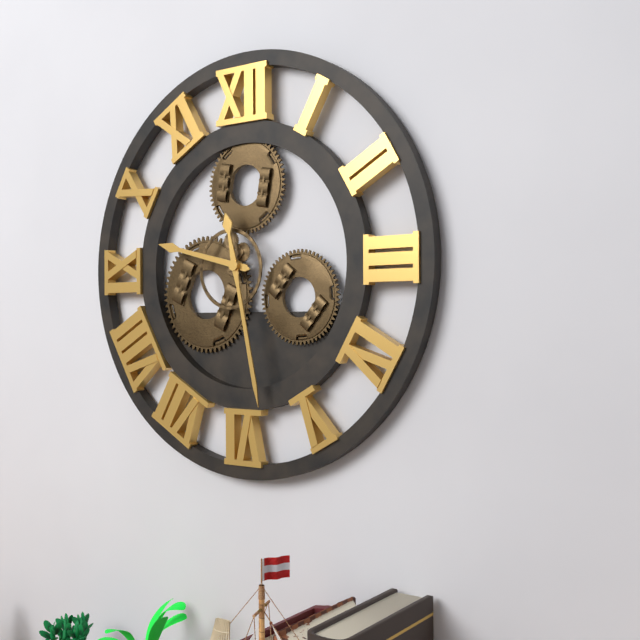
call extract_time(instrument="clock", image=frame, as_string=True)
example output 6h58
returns 9h28
